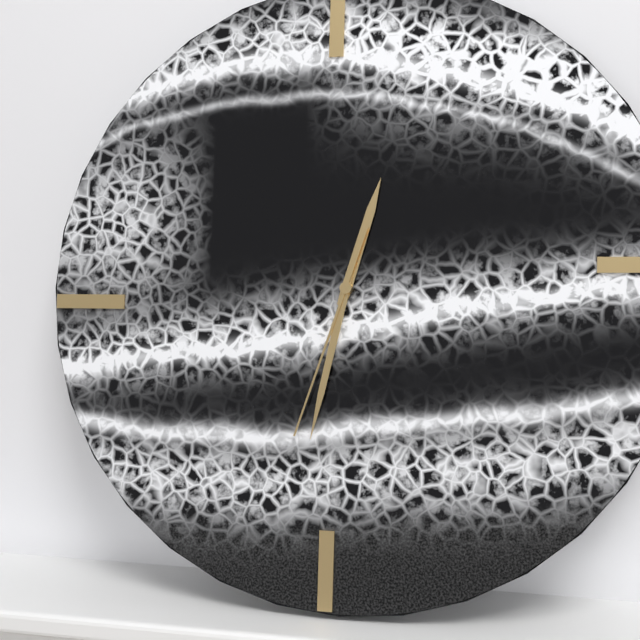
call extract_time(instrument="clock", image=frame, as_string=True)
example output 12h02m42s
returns 12h32m33s
